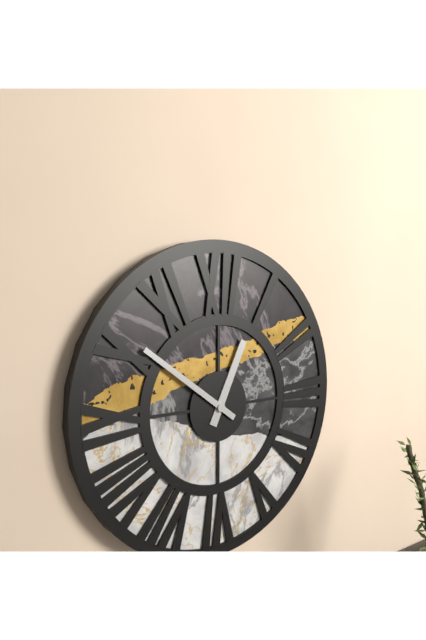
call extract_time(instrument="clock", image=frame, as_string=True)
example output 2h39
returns 12h51
